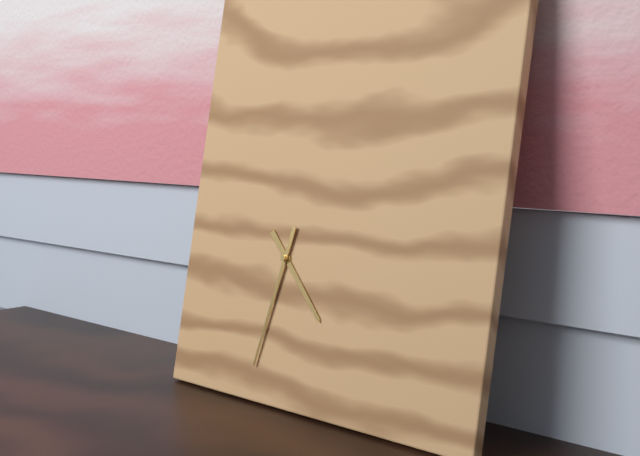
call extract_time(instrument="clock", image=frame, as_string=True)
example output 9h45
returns 4h32
